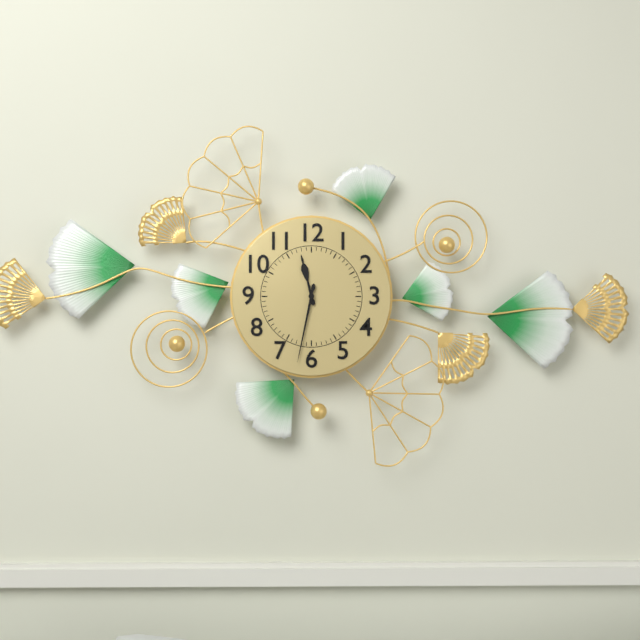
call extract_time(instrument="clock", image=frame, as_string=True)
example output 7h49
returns 11h32
